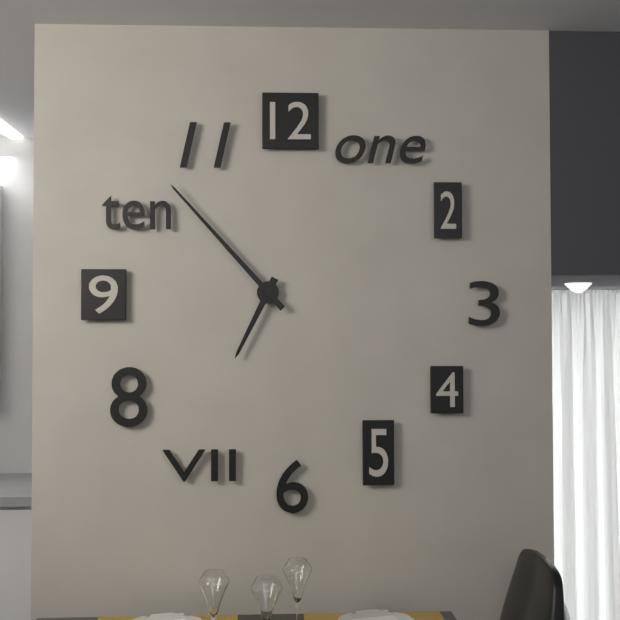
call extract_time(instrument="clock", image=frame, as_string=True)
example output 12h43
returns 6h53
